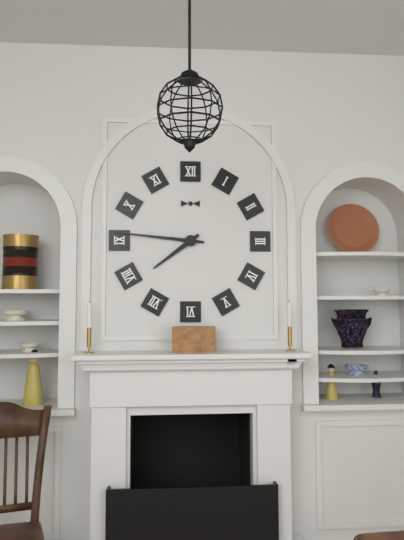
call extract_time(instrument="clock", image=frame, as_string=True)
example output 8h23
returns 7h46
